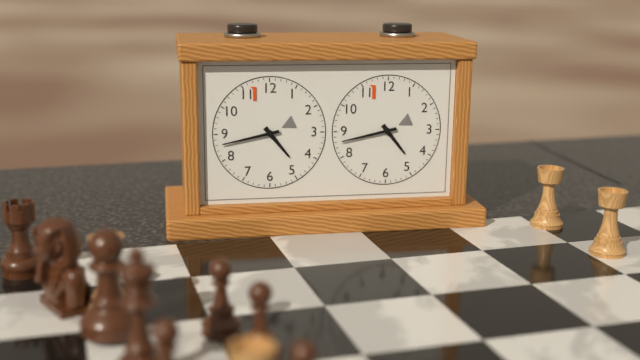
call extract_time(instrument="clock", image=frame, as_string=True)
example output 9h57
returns 4h43
